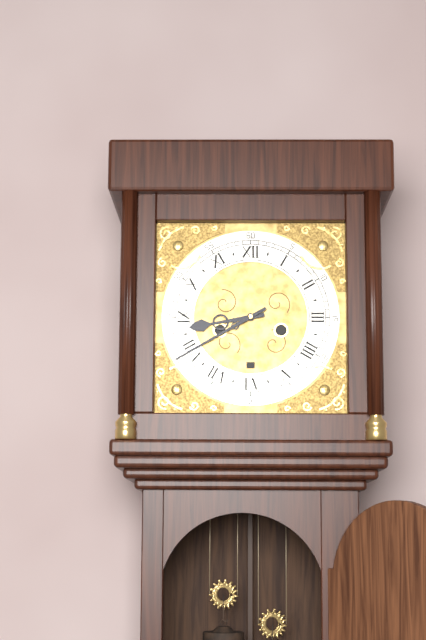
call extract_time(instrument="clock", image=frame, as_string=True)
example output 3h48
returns 8h40
